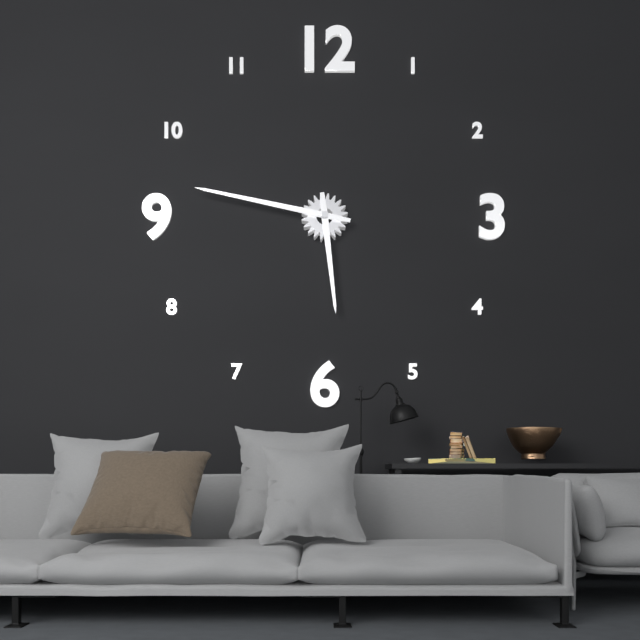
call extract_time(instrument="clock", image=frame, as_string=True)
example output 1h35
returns 5h47
